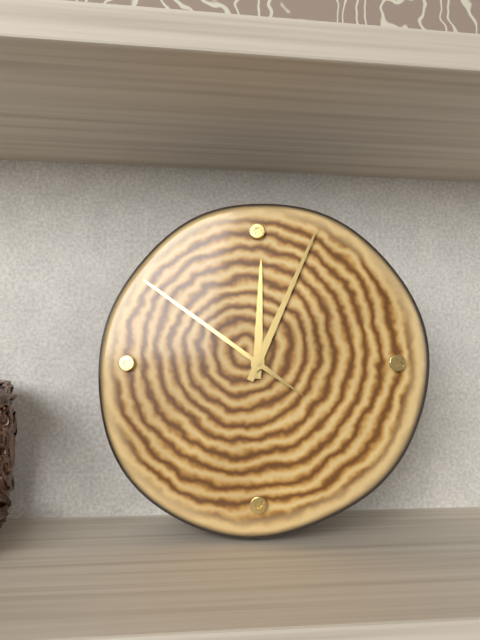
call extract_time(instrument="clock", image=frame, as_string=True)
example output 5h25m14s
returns 12h04m51s
